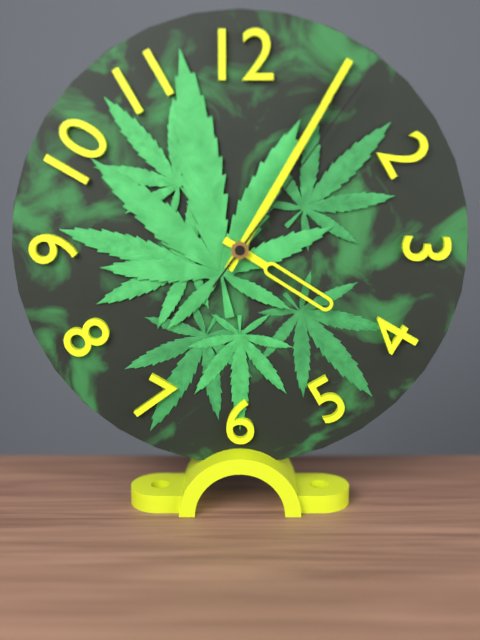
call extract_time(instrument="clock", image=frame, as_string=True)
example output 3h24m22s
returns 4h05m06s
